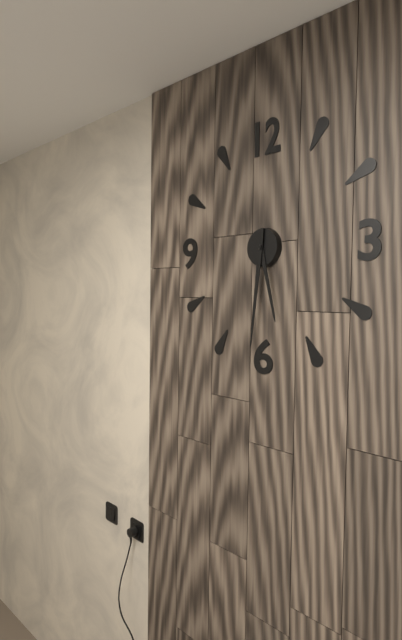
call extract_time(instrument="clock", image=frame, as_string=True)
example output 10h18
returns 5h31
